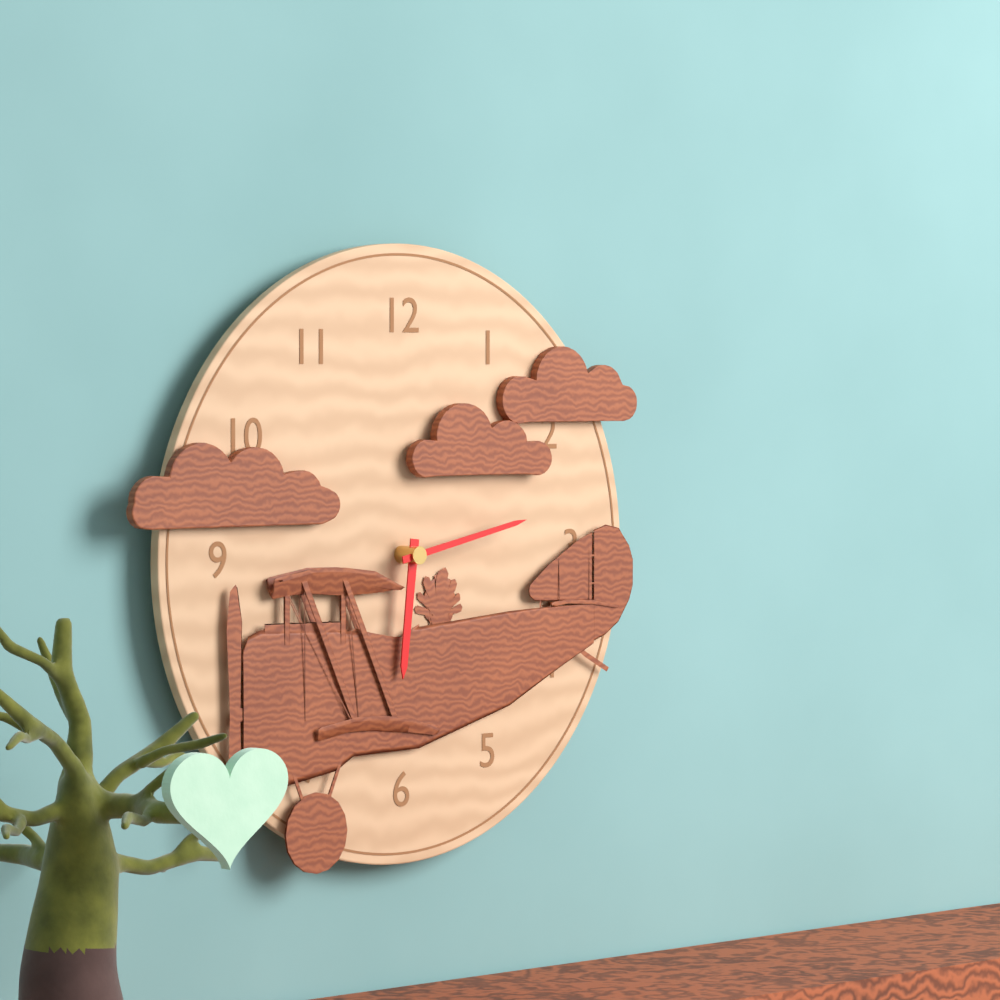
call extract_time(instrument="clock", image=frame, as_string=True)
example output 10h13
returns 6h13
